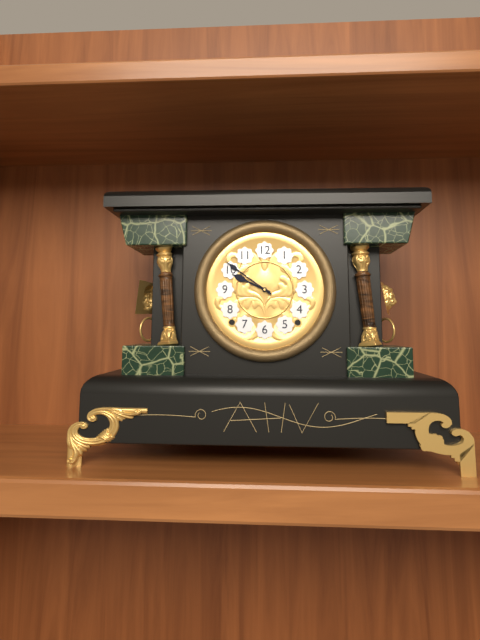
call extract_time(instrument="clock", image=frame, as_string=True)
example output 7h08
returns 9h51
